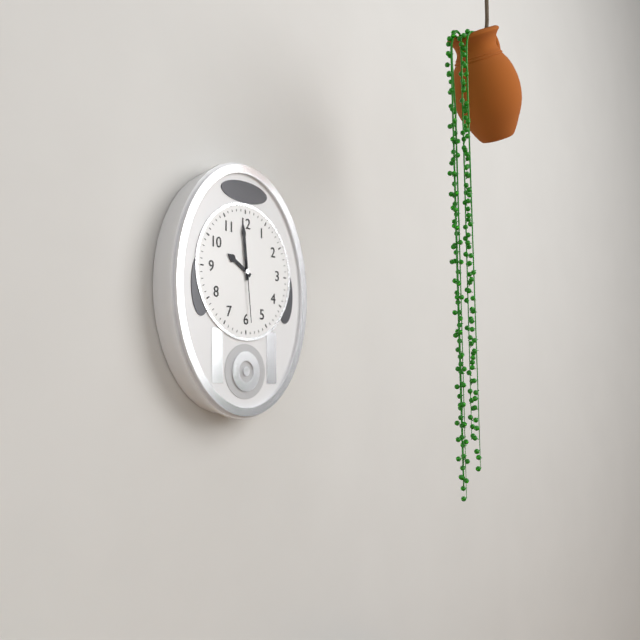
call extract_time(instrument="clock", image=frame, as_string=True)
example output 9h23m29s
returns 9h59m29s
